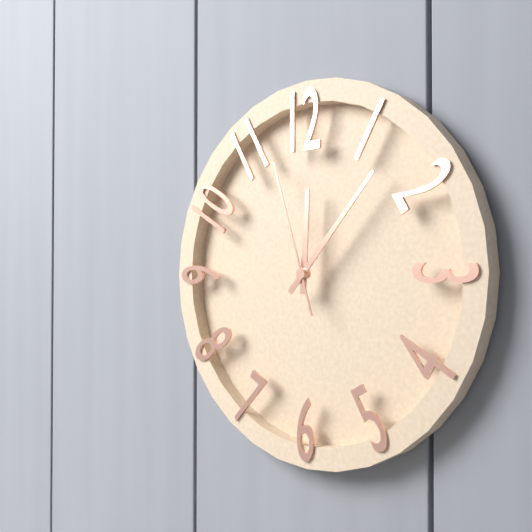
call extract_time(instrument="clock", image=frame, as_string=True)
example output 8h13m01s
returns 12h07m57s
